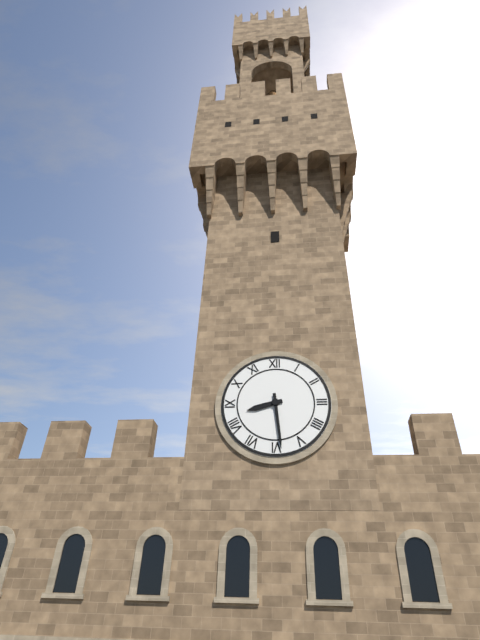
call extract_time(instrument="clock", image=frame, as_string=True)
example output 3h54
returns 8h29
